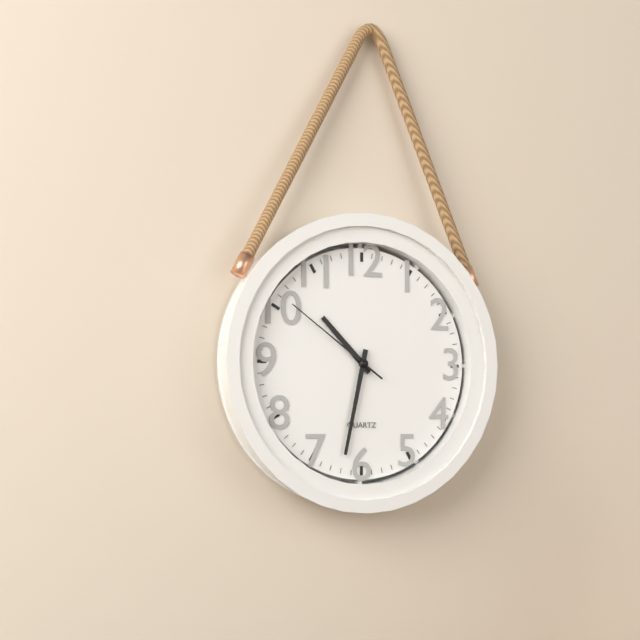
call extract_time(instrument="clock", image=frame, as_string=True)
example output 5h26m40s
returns 10h32m51s
